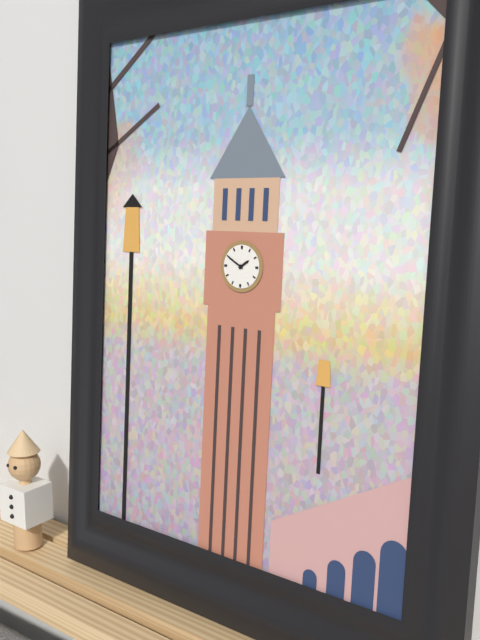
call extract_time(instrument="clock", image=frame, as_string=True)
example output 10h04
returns 1h50
